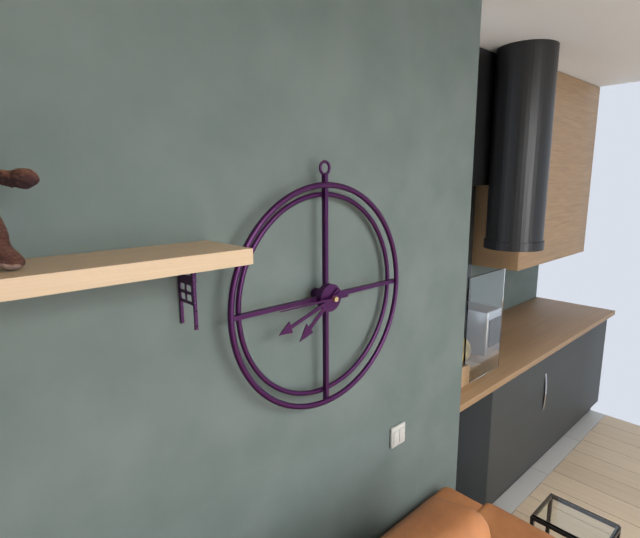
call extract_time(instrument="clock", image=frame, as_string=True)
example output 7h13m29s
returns 7h42m45s
